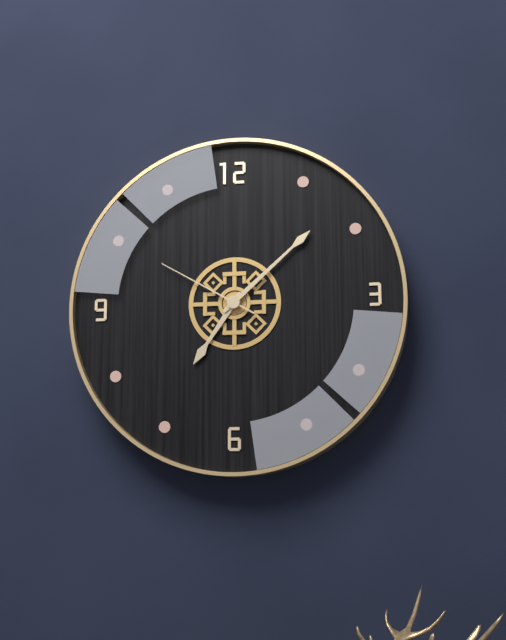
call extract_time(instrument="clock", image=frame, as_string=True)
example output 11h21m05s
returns 7h08m50s
